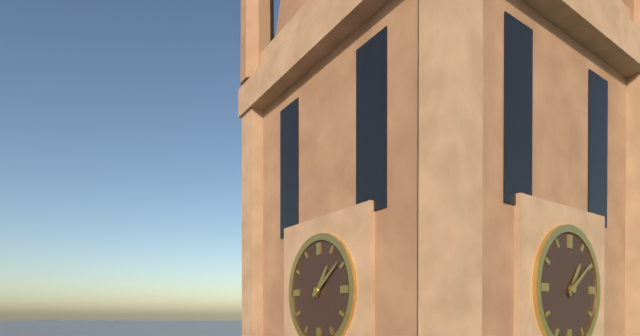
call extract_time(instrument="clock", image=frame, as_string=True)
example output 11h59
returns 1h09
